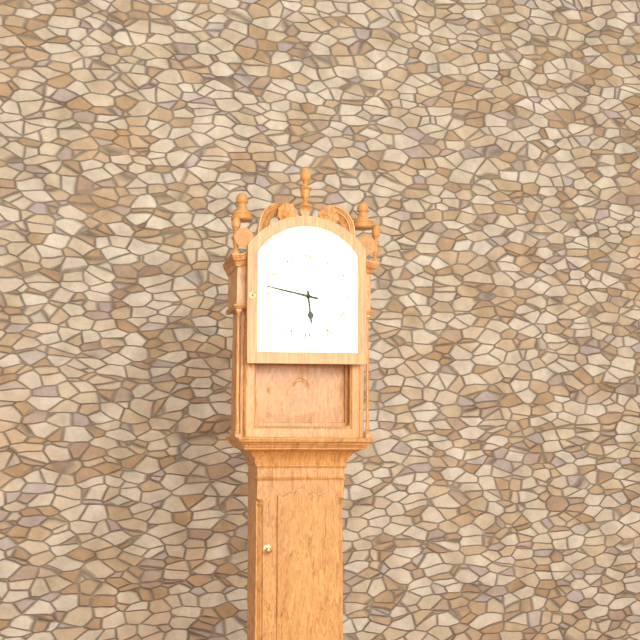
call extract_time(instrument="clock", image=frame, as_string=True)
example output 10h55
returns 5h47
